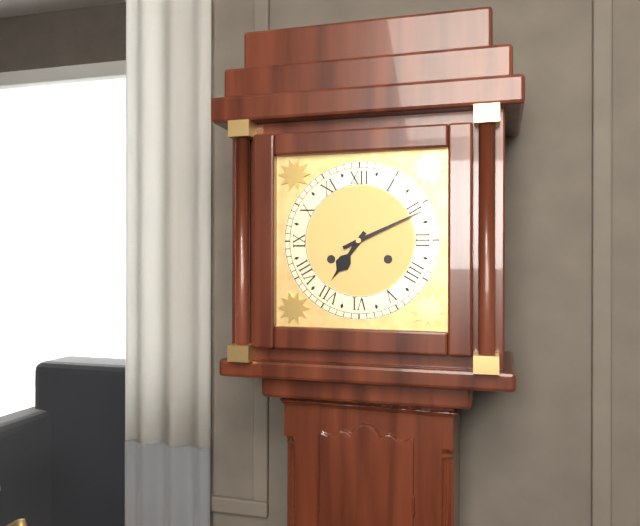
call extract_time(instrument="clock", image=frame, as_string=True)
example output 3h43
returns 7h11
